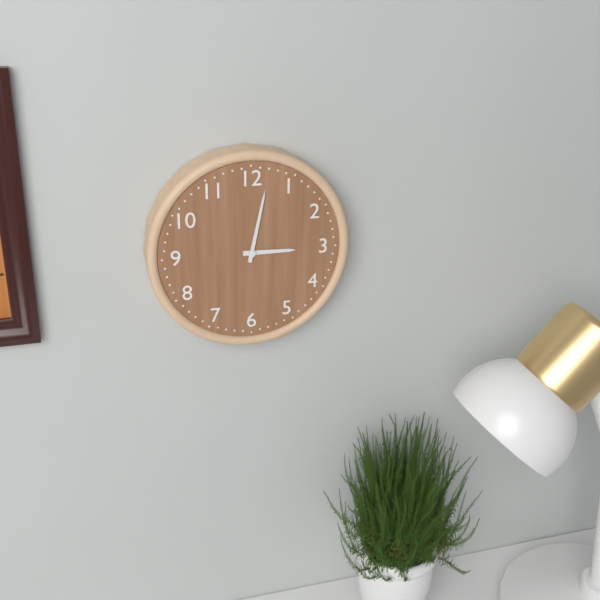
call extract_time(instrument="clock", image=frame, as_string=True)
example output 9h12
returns 3h02
